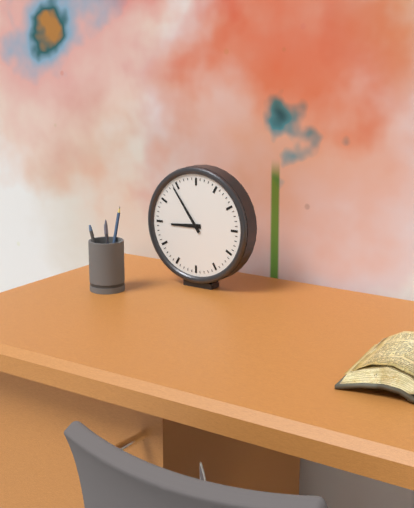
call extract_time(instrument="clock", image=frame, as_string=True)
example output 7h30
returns 8h54
